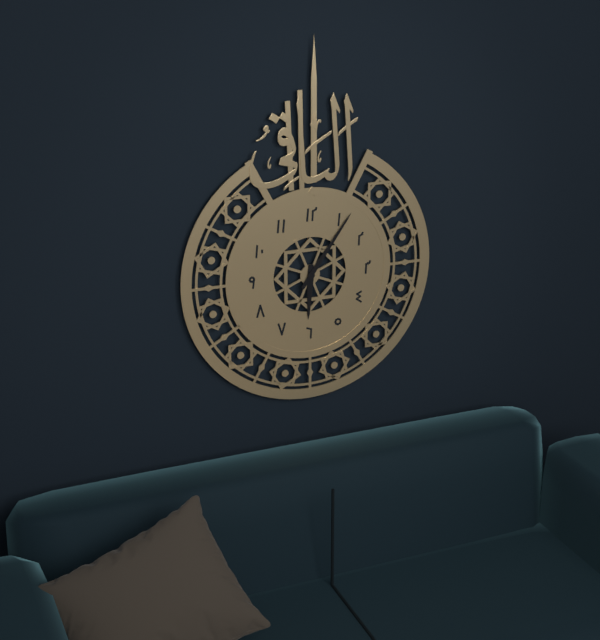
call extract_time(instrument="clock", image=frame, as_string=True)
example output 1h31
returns 6h06
